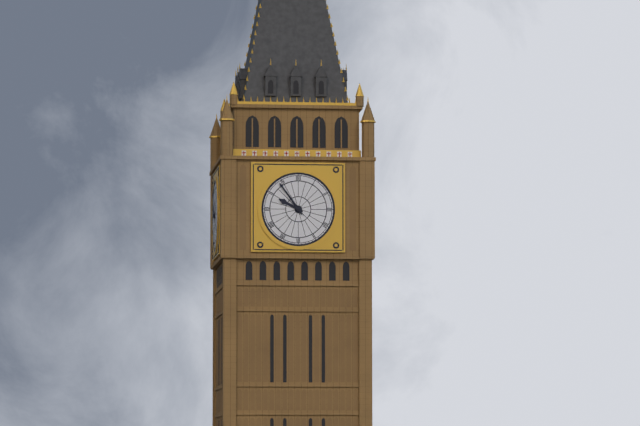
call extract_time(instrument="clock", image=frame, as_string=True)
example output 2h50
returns 9h54
